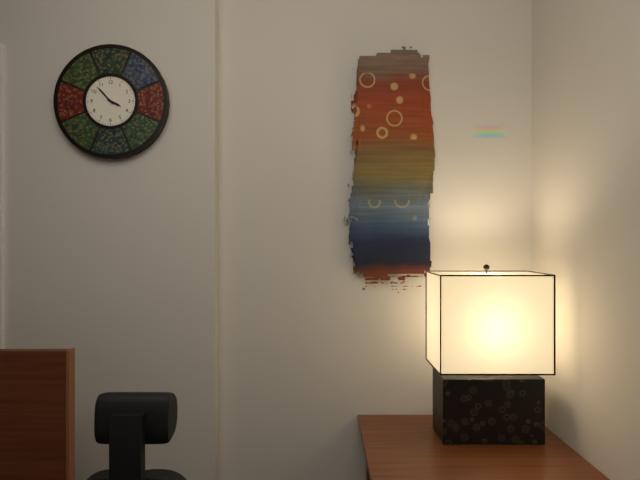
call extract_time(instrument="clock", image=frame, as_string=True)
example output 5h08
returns 3h53
